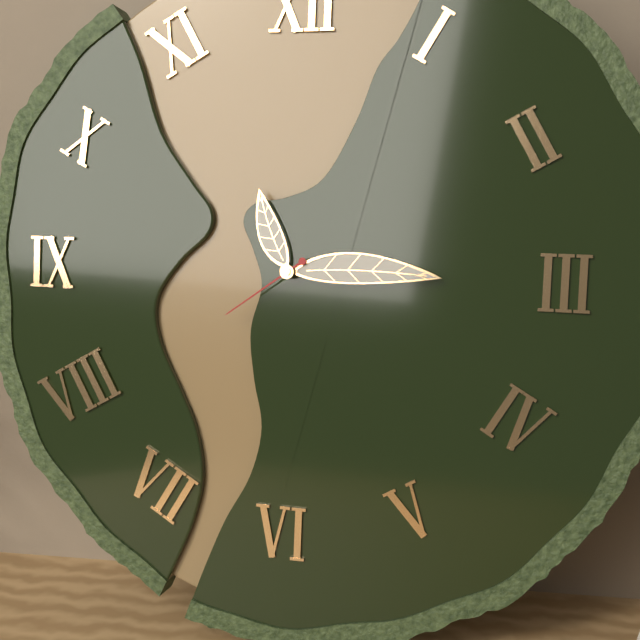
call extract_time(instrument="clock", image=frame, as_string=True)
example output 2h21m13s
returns 11h15m39s
